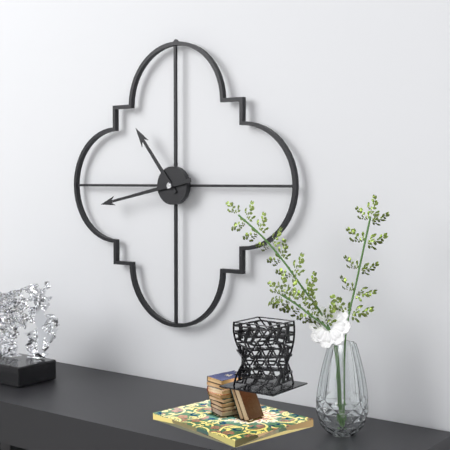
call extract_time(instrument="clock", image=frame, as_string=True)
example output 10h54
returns 10h43
